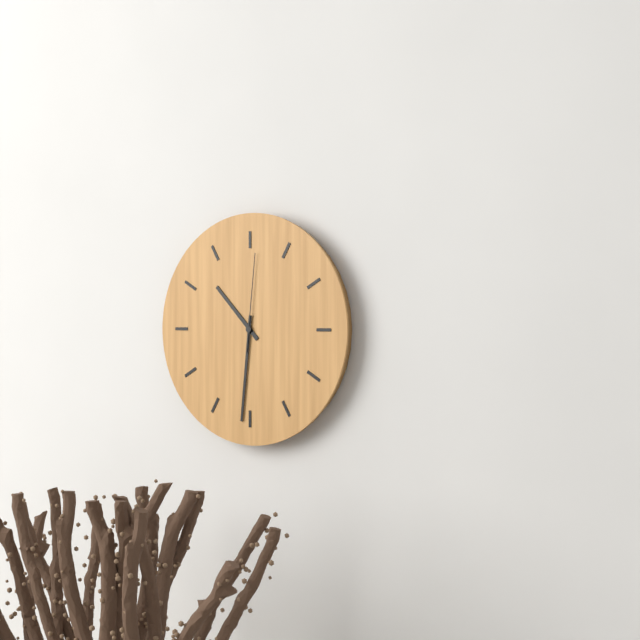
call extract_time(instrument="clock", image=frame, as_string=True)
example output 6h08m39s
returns 10h31m01s
